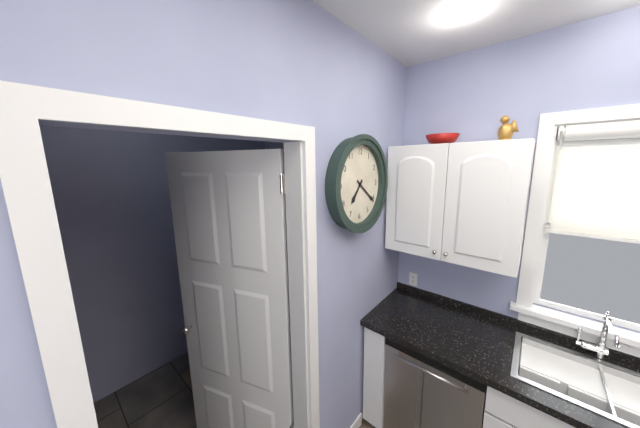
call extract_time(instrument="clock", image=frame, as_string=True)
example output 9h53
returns 7h21
